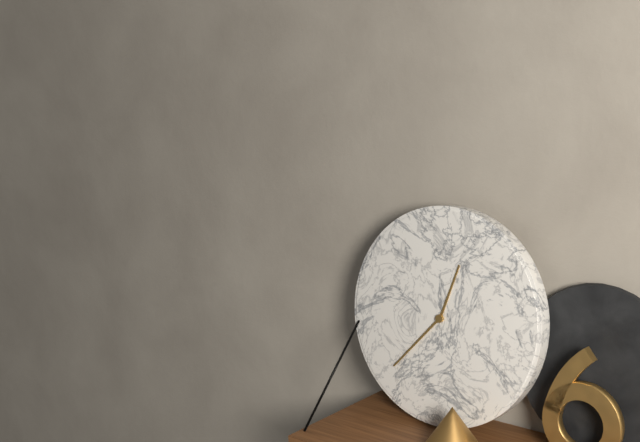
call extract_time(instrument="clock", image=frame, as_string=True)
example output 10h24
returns 12h37
